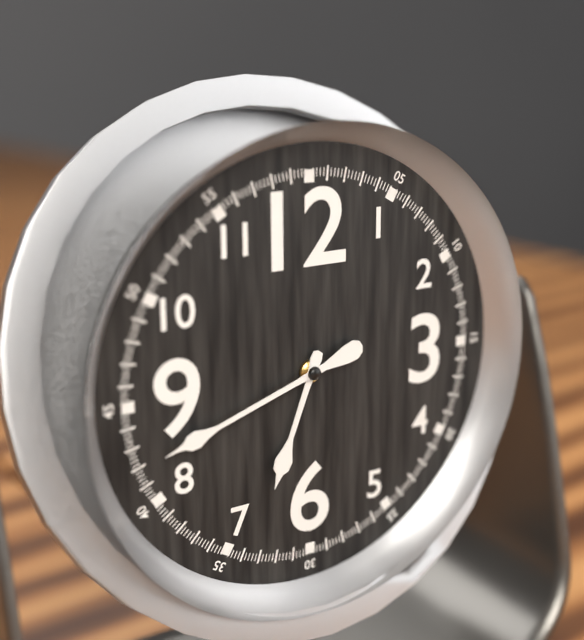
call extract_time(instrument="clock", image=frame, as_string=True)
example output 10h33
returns 6h42
